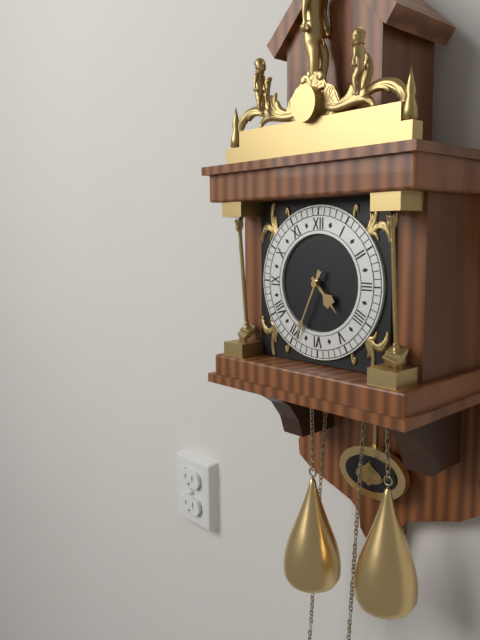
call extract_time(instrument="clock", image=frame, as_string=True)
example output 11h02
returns 4h34
